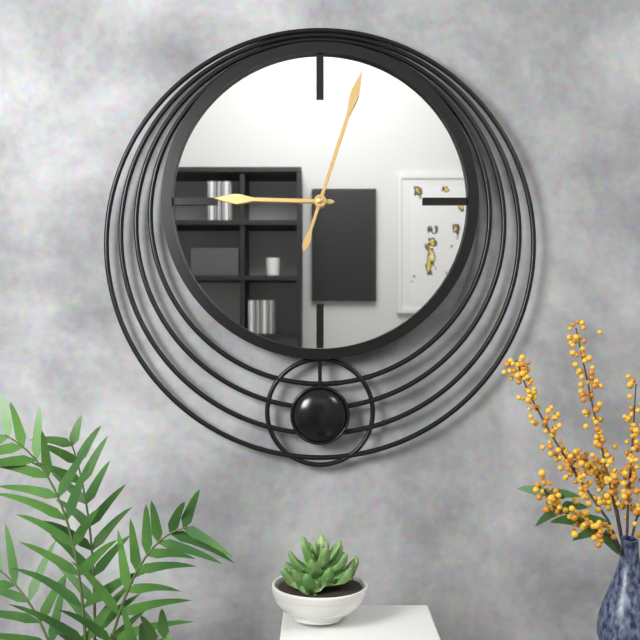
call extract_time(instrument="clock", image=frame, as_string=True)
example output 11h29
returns 9h03
